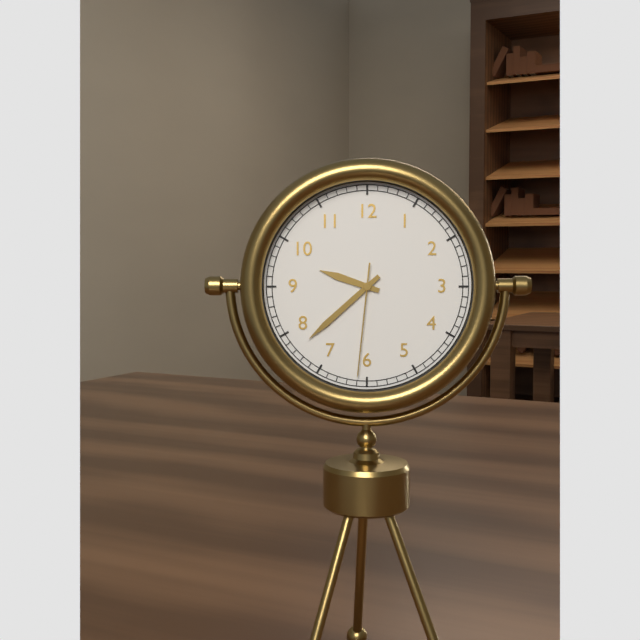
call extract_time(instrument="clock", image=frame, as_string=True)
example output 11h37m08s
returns 9h38m31s
